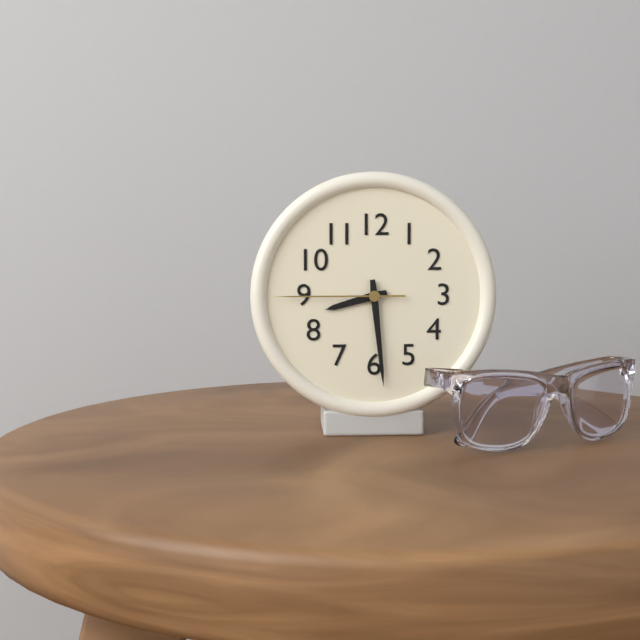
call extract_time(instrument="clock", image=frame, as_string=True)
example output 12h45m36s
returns 8h29m45s
